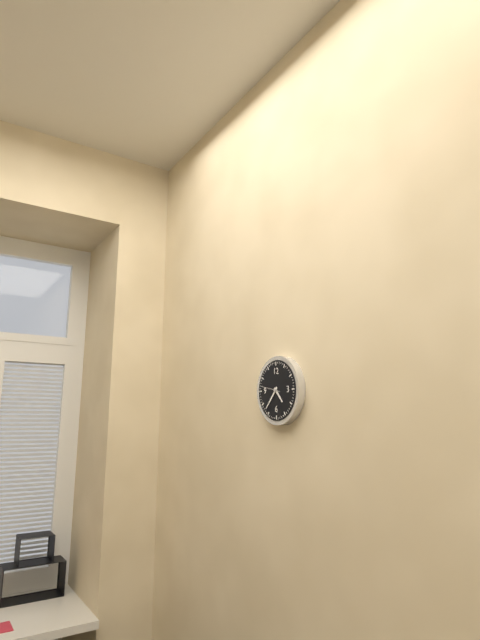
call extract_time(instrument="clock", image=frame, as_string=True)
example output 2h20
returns 4h37
